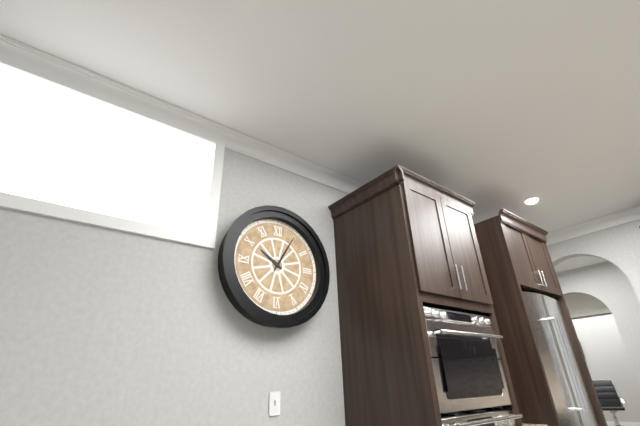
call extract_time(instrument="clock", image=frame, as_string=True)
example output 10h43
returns 10h05
